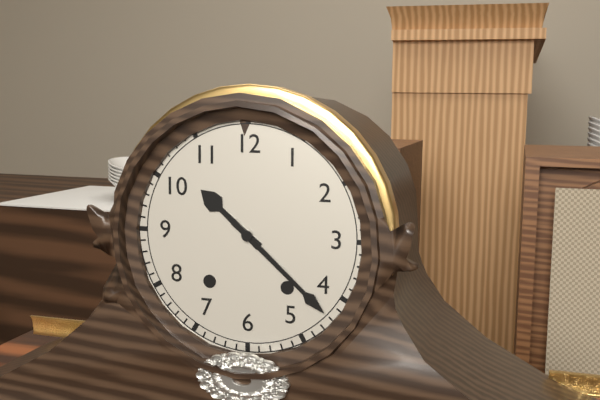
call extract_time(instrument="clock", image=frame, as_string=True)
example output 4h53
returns 10h22
